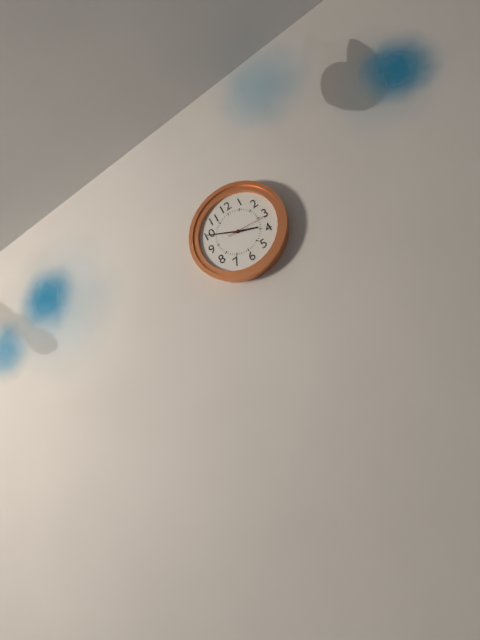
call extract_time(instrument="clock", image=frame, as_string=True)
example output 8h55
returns 3h50
